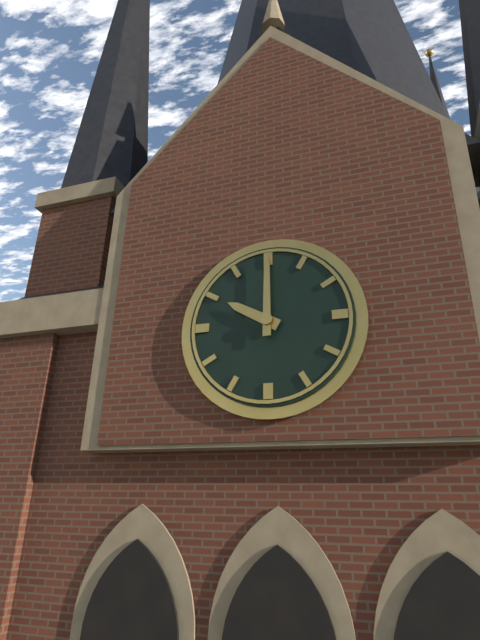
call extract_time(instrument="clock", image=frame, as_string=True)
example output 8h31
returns 10h00
